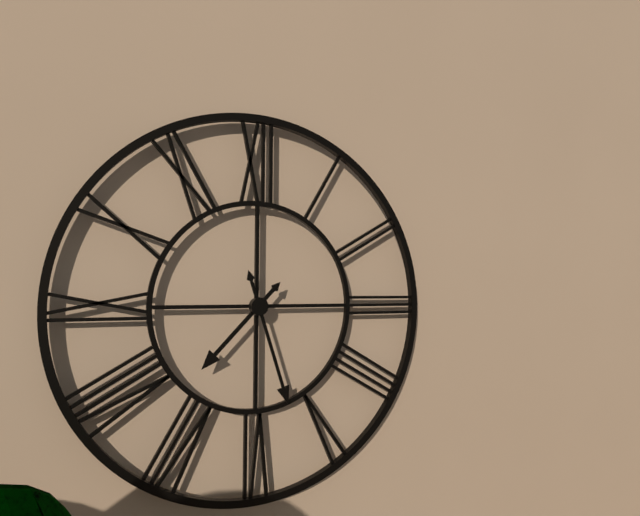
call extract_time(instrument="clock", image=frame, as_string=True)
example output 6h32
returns 7h27
